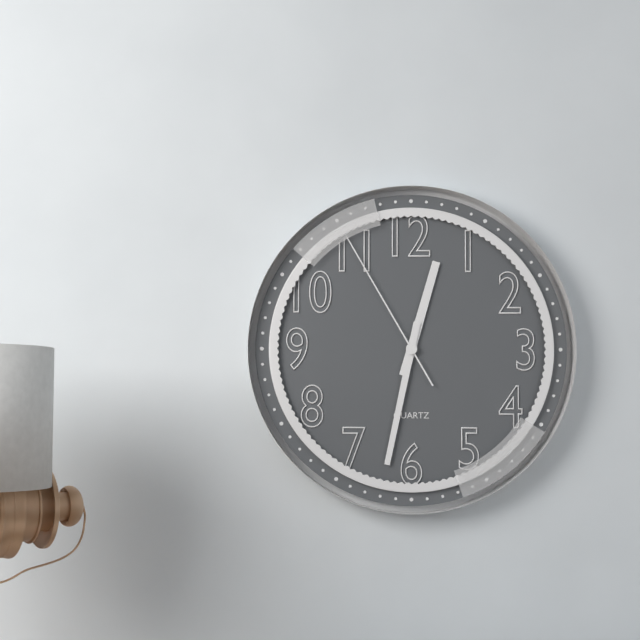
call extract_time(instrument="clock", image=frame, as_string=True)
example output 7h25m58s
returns 12h32m55s
